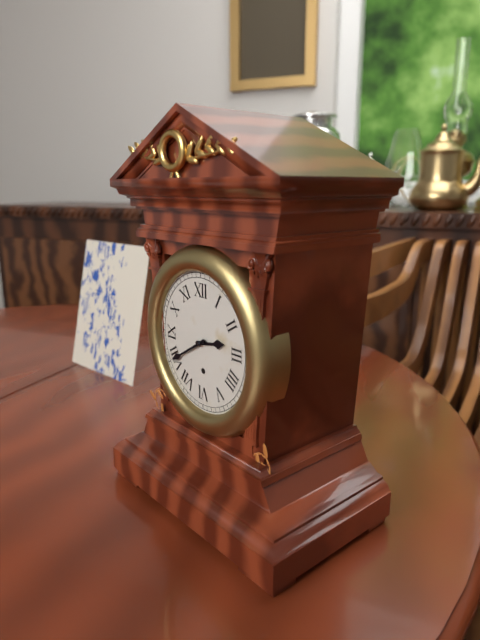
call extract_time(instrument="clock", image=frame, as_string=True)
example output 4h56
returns 2h40
